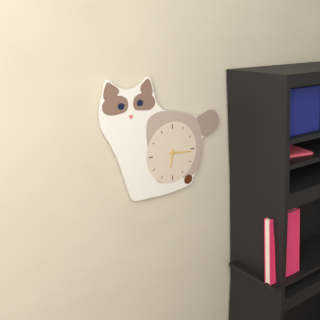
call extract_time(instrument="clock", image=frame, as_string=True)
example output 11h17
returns 6h16
